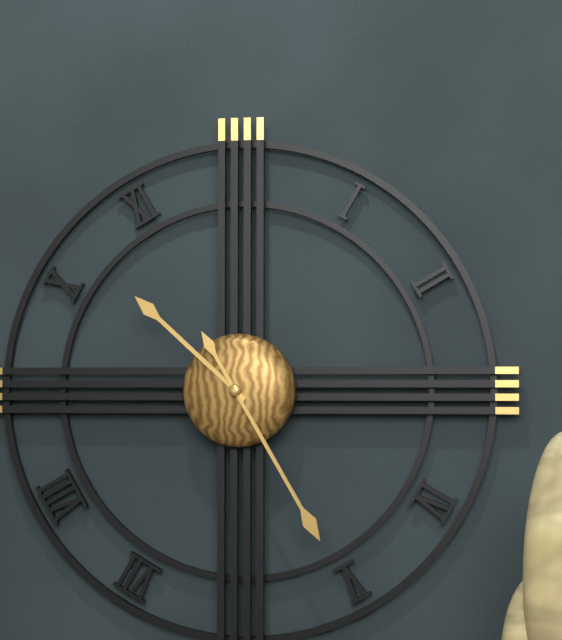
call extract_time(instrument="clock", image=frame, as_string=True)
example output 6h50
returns 10h25
